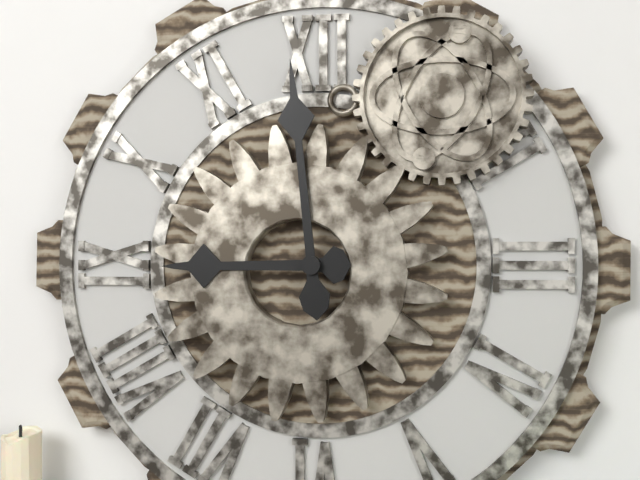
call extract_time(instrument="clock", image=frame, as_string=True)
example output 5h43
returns 8h59
